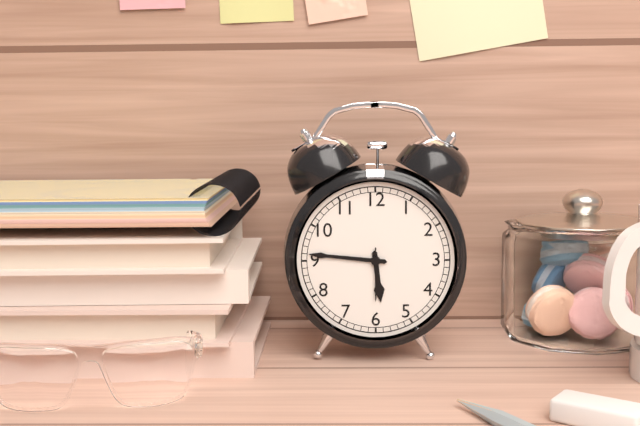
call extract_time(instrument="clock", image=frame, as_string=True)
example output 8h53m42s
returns 5h46m30s
